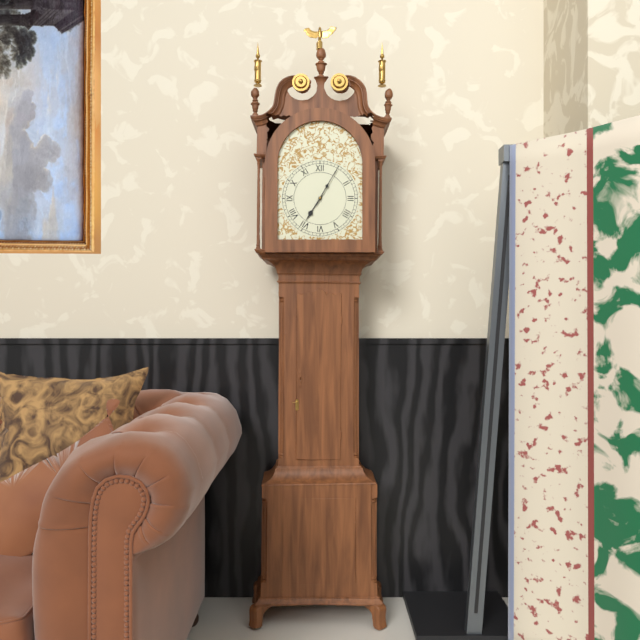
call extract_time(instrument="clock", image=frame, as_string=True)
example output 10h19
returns 7h05
